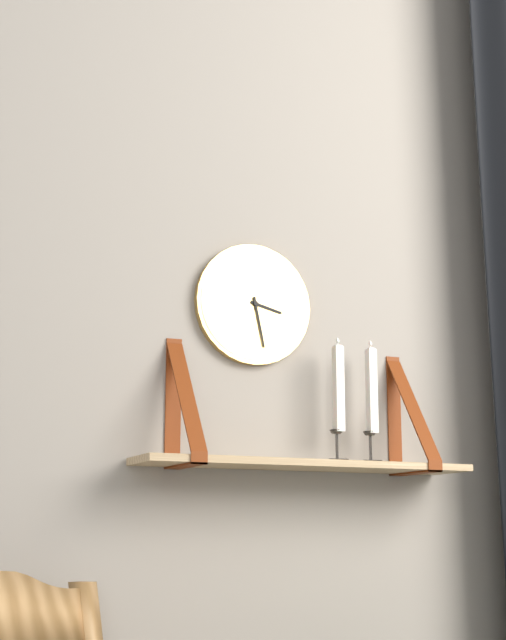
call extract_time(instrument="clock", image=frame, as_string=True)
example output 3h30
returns 3h28
